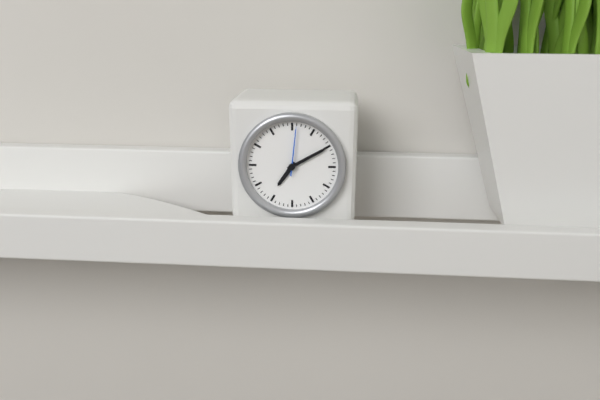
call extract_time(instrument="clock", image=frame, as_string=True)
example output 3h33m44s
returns 7h10m01s
